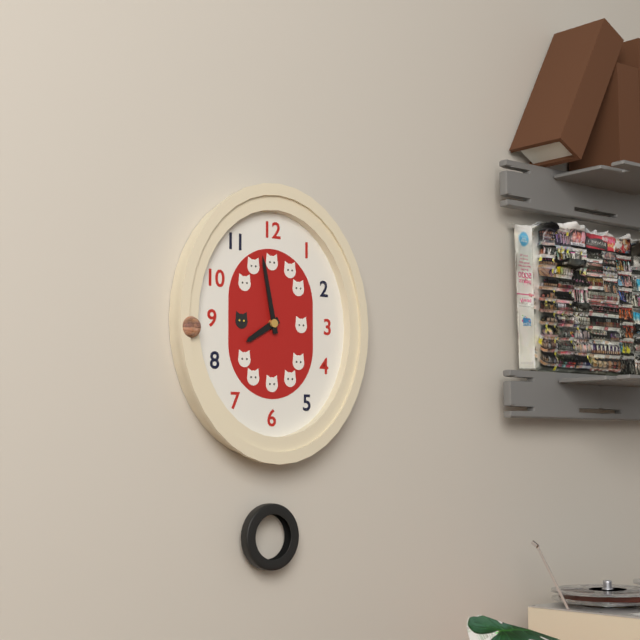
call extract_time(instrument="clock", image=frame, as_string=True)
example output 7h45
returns 7h58
